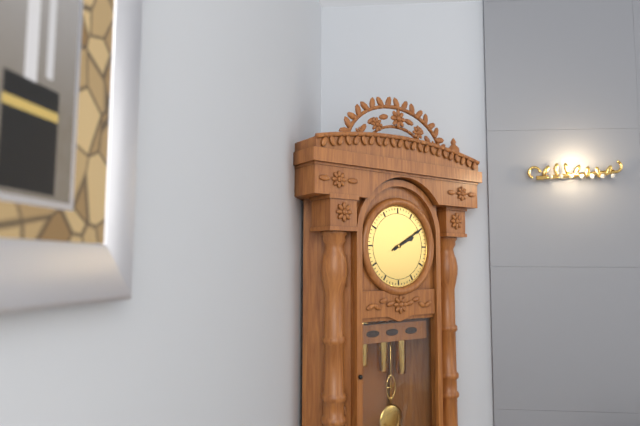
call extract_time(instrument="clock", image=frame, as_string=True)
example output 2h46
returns 2h10
